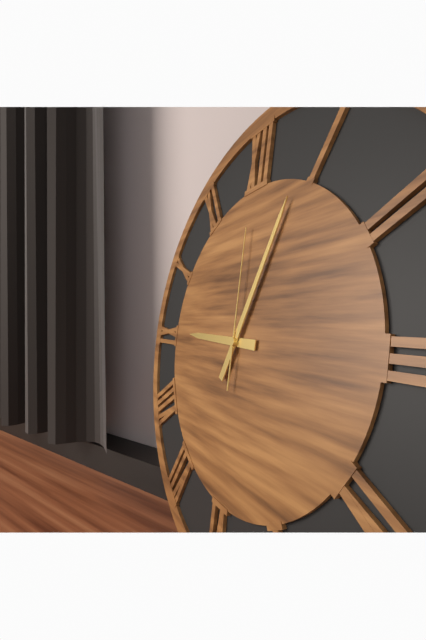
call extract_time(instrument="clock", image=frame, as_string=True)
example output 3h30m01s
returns 9h04m00s
